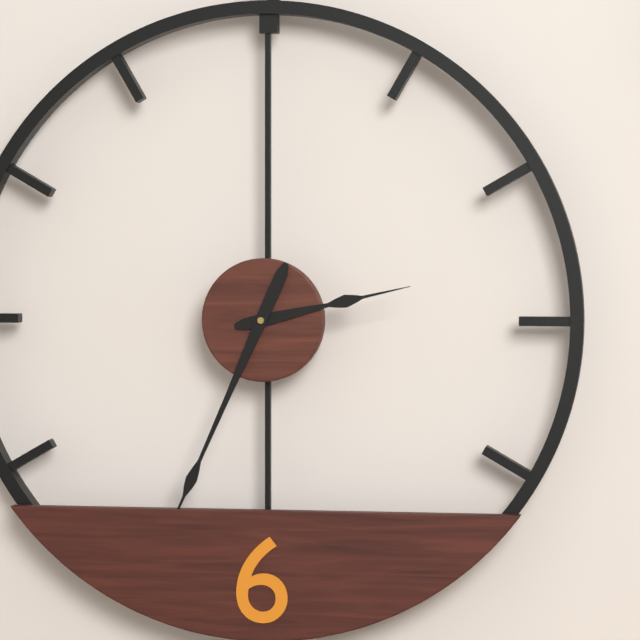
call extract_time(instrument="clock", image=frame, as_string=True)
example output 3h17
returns 2h34
